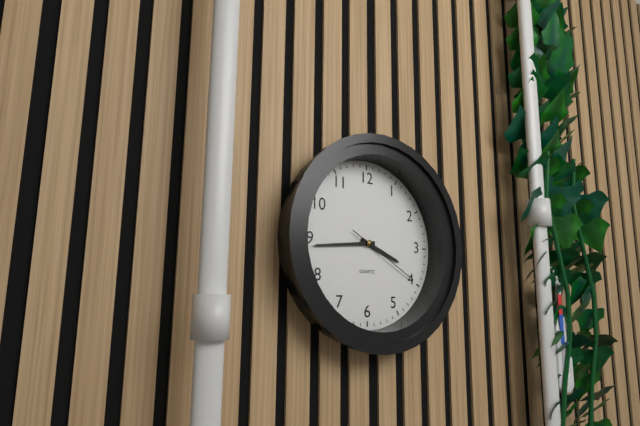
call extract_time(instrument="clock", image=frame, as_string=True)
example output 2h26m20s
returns 3h44m20s
